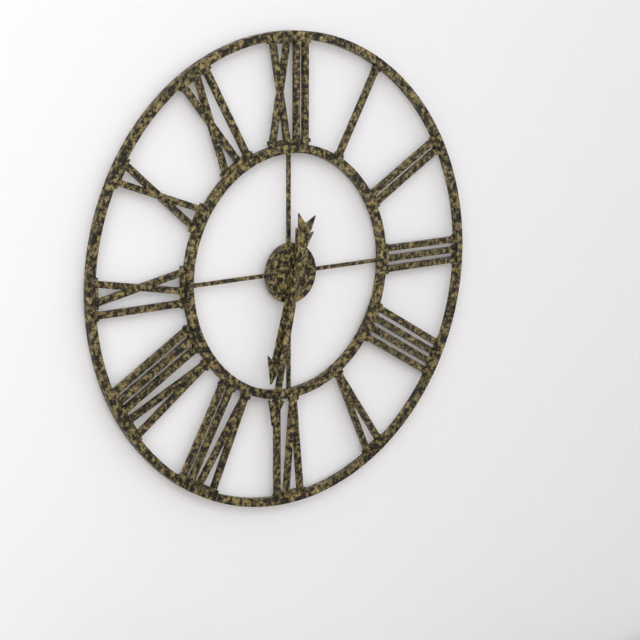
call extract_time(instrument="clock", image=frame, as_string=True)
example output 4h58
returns 6h32
